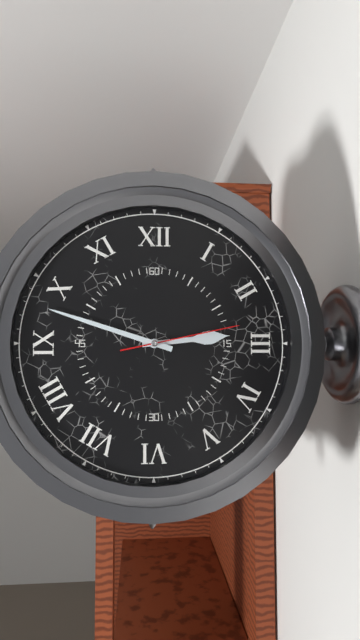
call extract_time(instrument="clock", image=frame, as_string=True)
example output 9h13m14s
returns 2h48m13s
